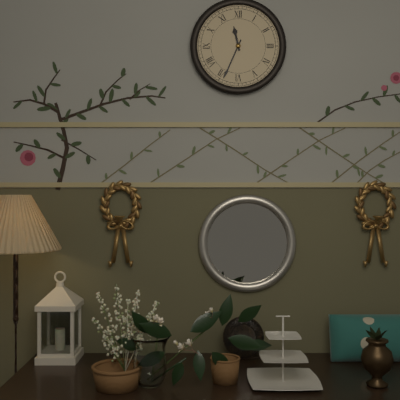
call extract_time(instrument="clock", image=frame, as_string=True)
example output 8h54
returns 11h34
